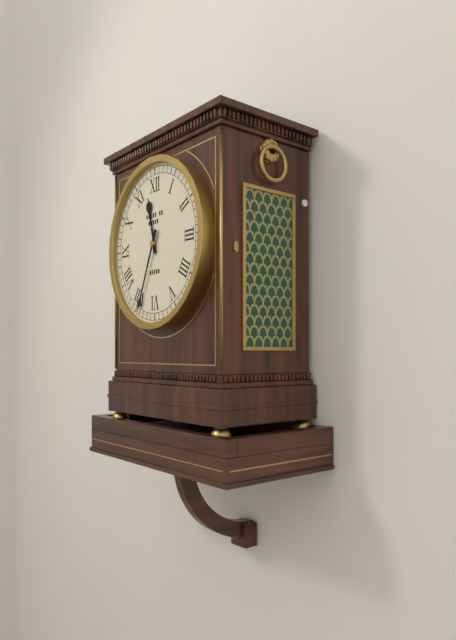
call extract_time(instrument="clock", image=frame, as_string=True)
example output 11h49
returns 11h34
